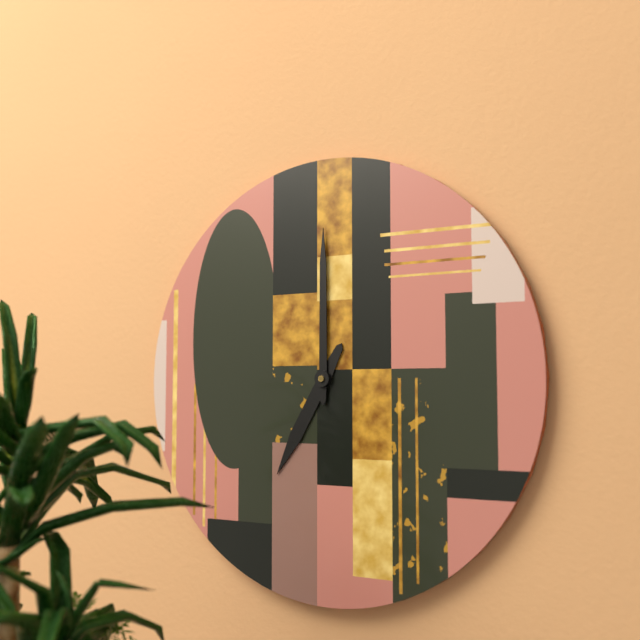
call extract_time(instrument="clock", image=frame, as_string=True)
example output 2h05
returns 7h00
